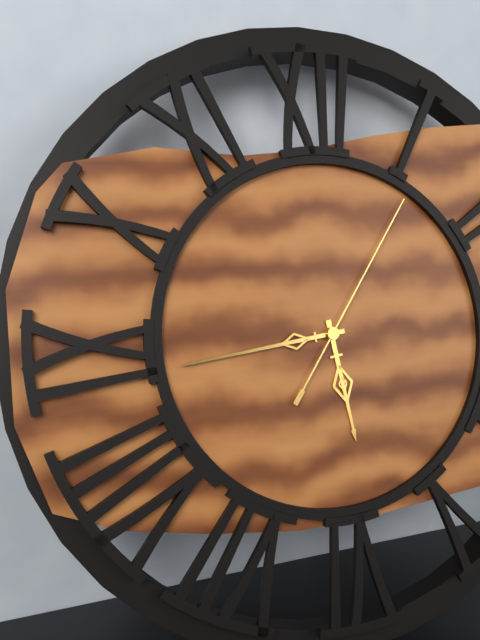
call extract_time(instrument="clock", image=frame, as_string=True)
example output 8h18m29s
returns 5h44m06s
